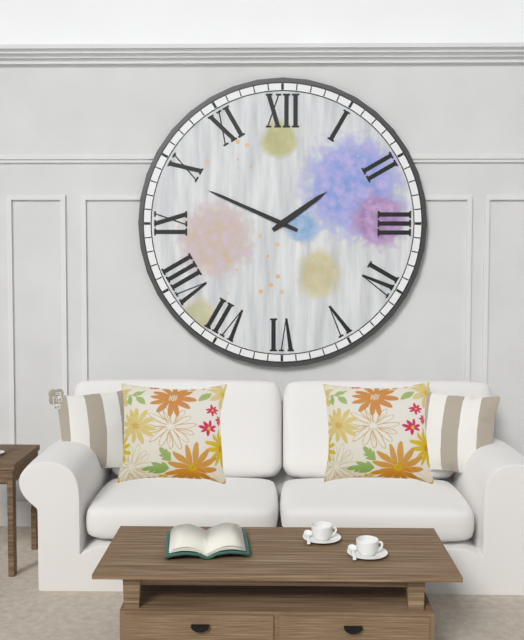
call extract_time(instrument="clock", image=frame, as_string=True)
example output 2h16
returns 1h49
